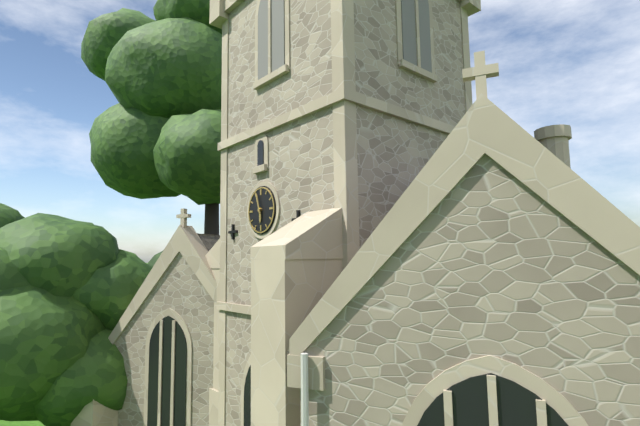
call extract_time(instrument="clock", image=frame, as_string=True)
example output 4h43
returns 5h57
